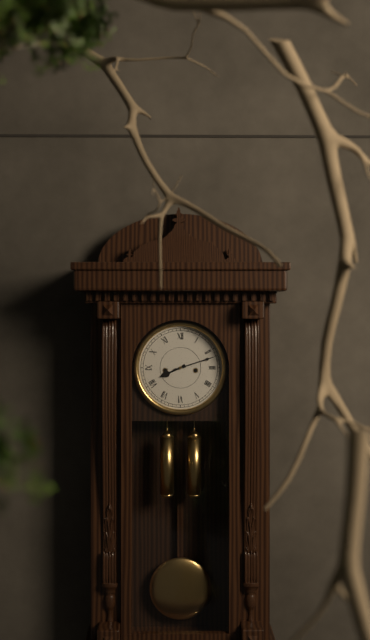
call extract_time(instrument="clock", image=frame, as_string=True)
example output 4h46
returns 8h12
